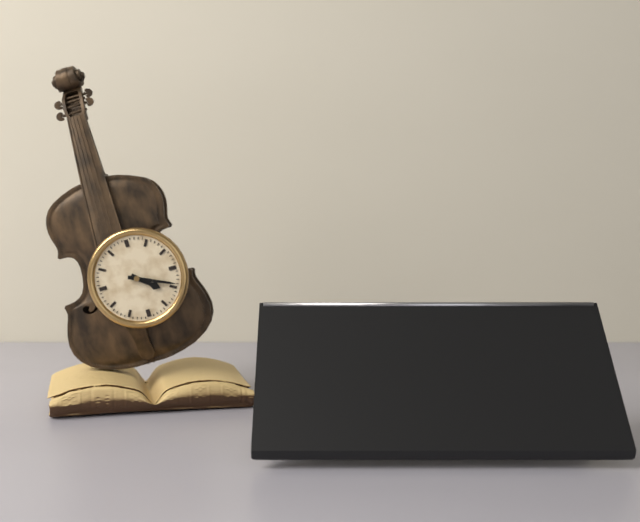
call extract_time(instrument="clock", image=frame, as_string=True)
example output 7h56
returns 4h19
